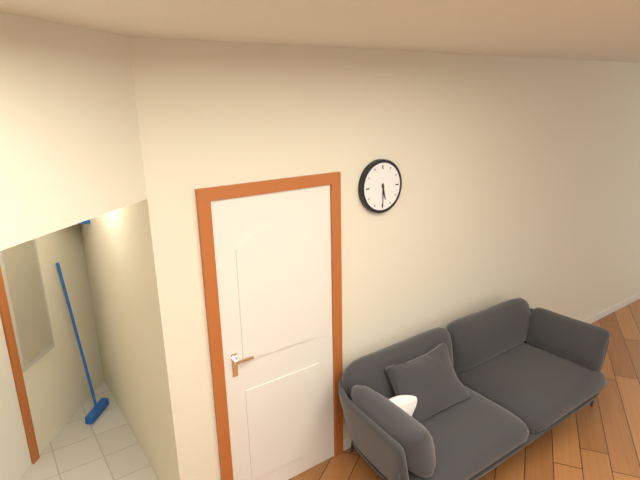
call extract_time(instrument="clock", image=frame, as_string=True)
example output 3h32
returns 5h30
